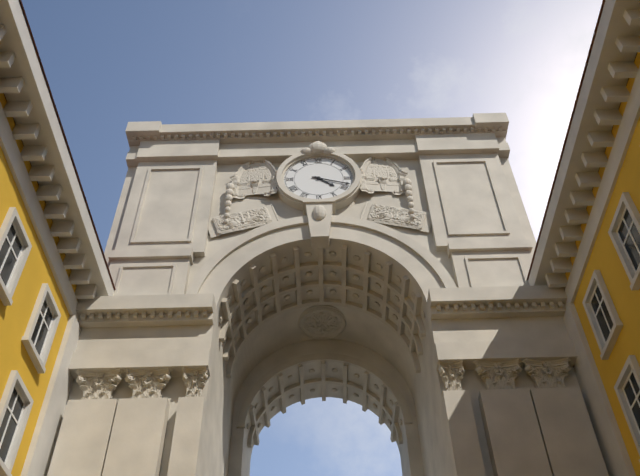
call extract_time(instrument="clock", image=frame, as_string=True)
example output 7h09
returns 4h18
